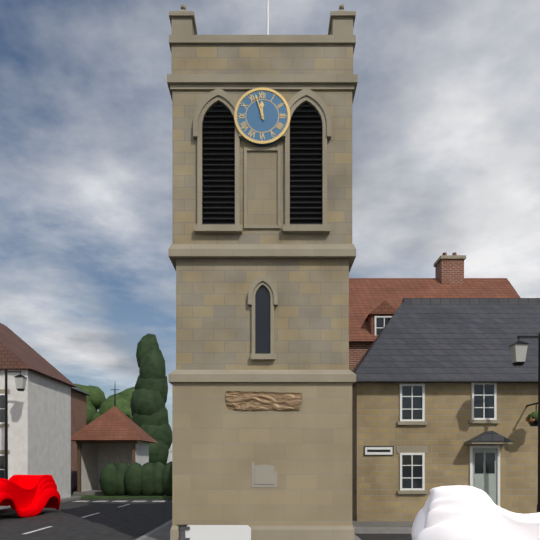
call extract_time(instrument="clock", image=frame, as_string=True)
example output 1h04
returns 11h57
